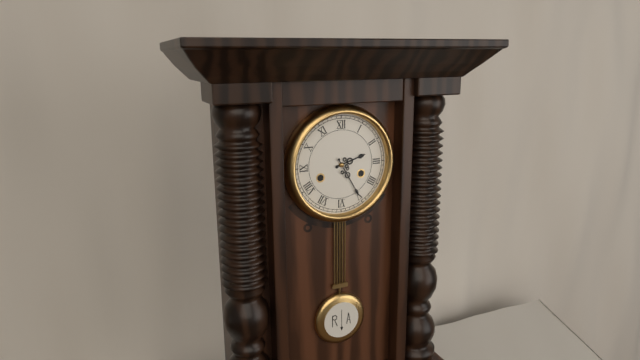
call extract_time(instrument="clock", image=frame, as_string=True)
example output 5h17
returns 2h25
